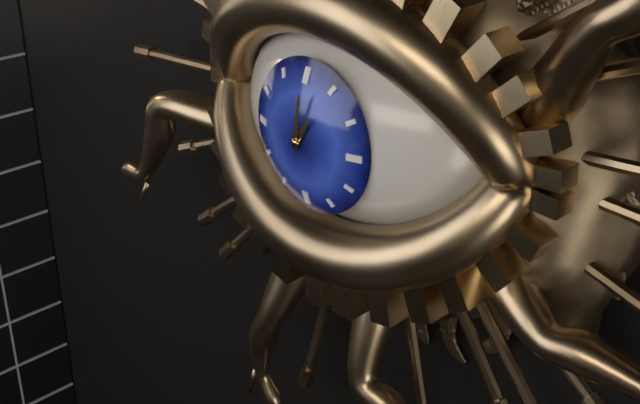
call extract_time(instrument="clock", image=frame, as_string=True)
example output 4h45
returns 1h01
